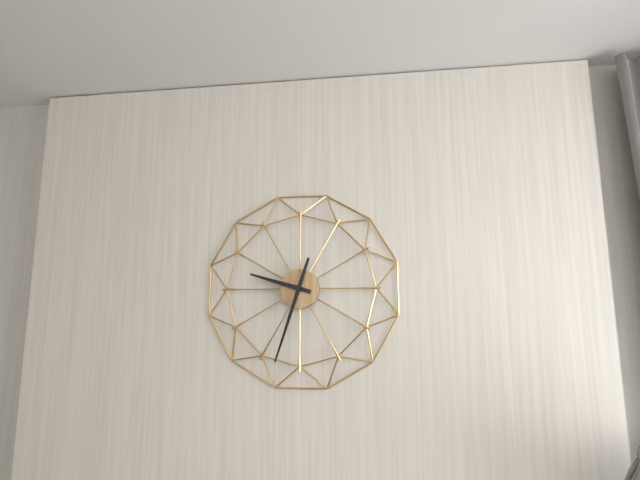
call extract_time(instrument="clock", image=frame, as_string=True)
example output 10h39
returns 9h33
